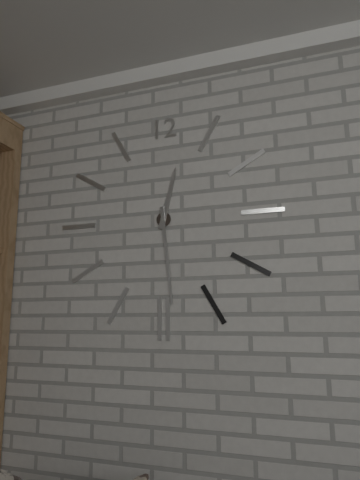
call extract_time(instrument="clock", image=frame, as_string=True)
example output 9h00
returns 12h29
